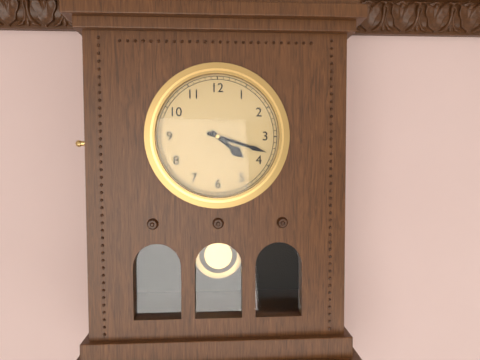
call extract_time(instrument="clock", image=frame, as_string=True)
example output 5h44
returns 4h18
